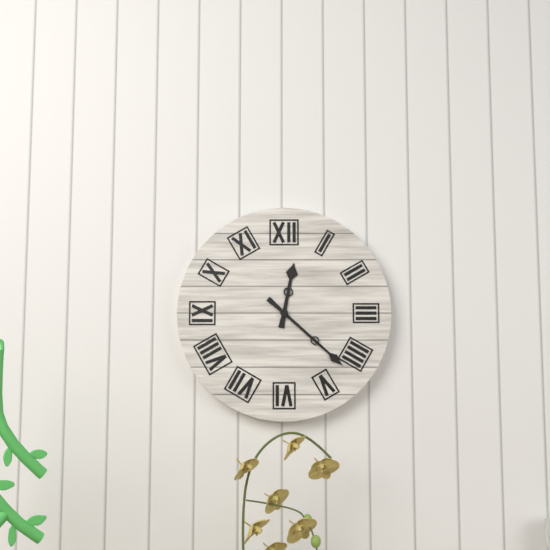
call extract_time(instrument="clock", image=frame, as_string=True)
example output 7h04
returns 12h22
